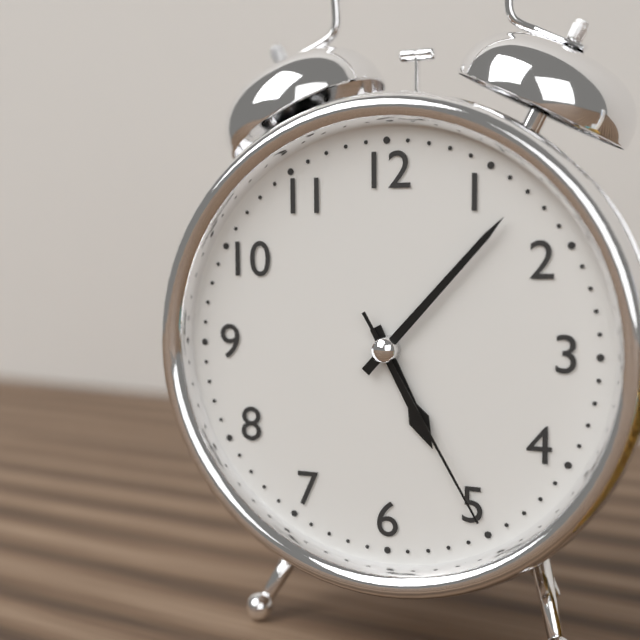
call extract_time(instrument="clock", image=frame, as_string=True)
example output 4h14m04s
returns 5h07m25s
